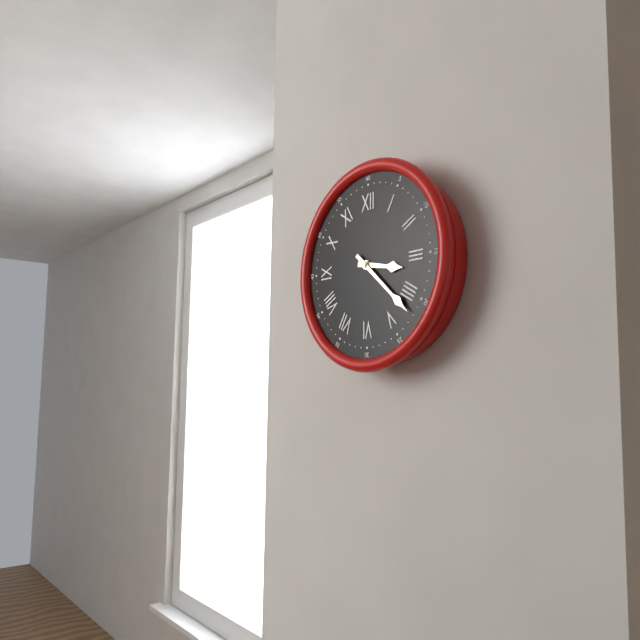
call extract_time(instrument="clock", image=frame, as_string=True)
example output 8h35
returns 3h22
